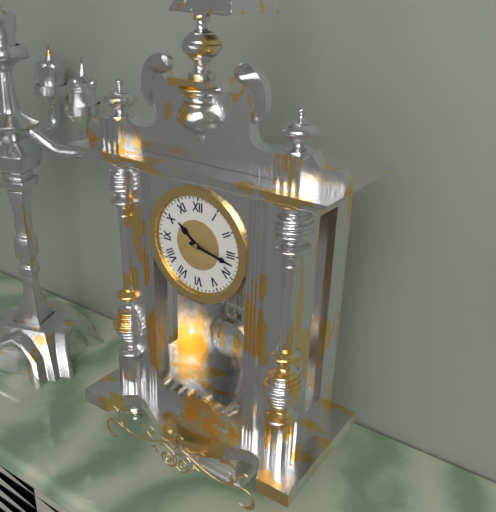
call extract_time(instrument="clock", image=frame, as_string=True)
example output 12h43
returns 10h17
